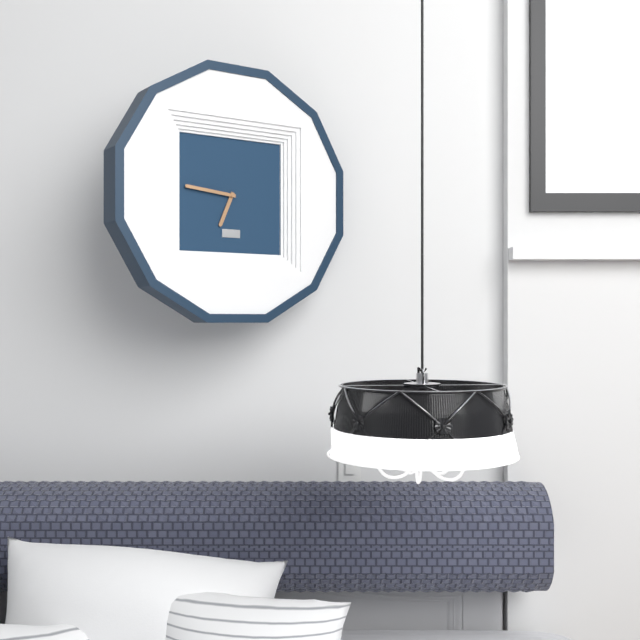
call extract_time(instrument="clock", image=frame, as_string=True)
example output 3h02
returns 6h46
